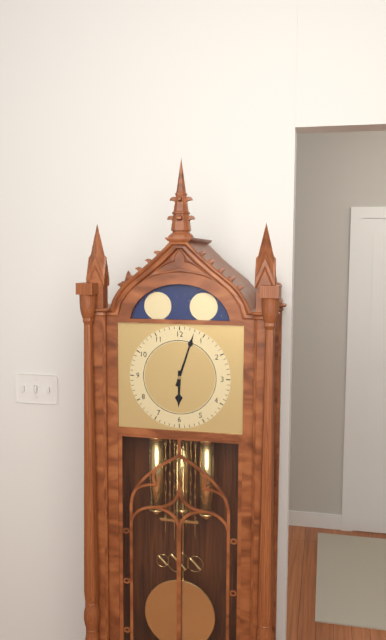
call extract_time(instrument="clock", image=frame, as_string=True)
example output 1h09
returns 6h03
